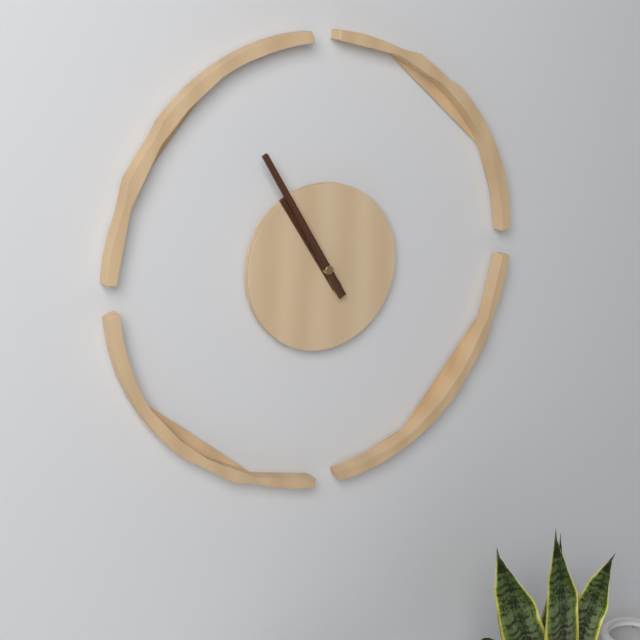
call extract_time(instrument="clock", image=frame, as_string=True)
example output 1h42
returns 10h55
